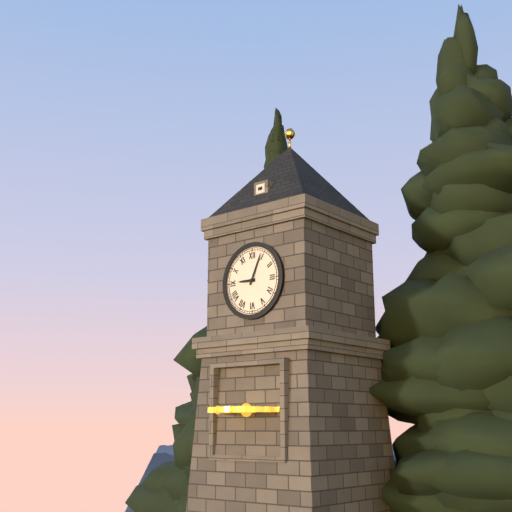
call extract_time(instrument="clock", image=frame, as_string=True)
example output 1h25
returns 9h04
